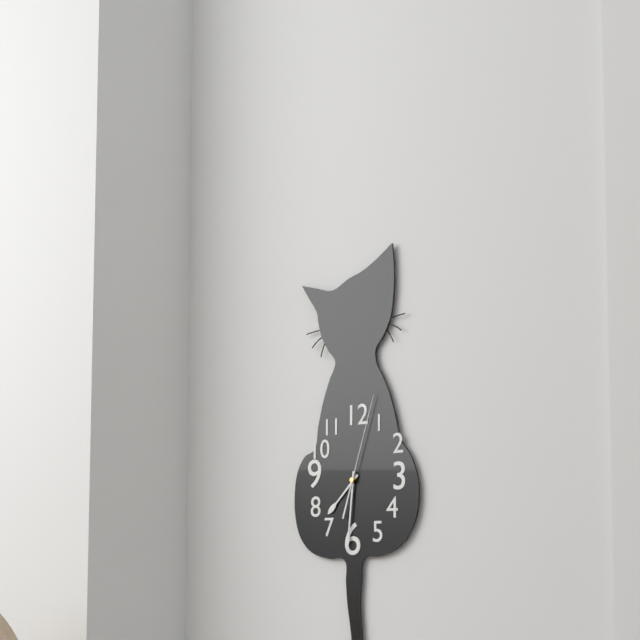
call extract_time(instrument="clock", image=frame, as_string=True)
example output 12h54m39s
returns 7h31m03s
